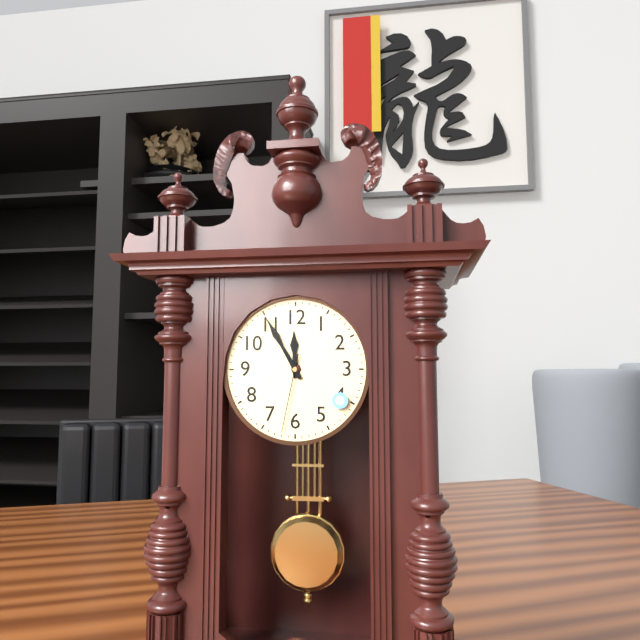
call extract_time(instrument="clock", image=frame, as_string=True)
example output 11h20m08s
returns 11h55m32s
